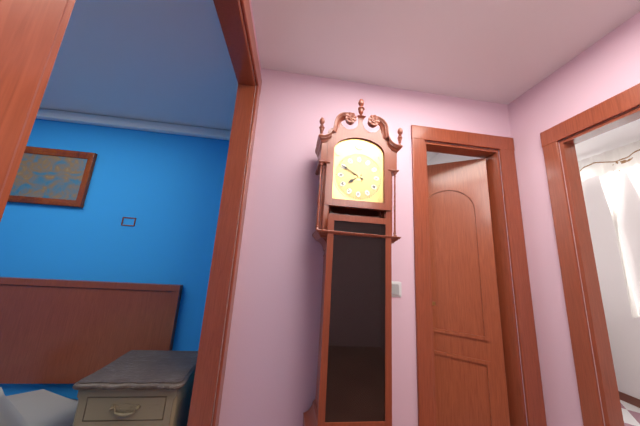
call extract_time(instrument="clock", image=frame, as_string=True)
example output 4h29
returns 7h50
